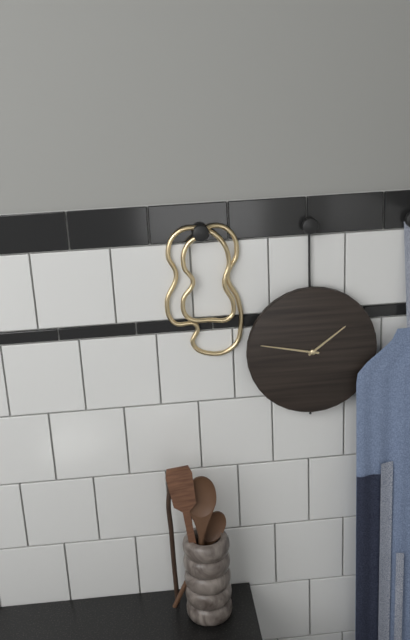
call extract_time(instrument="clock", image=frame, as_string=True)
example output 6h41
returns 1h47
